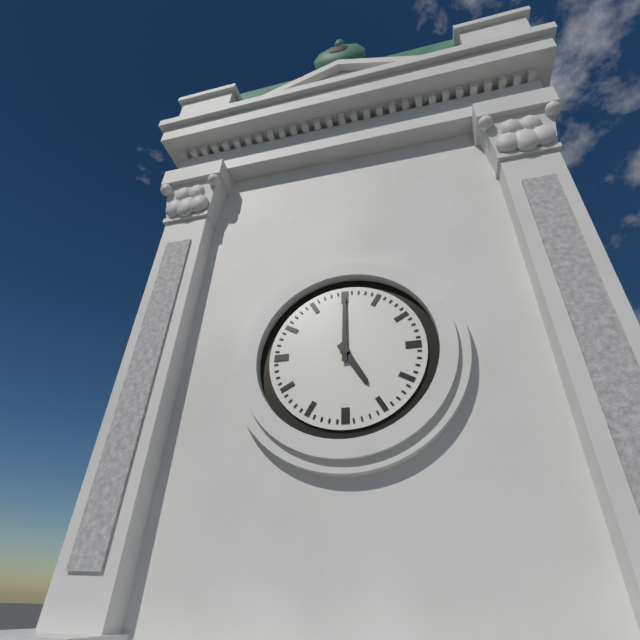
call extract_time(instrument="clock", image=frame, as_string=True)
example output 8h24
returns 5h00
